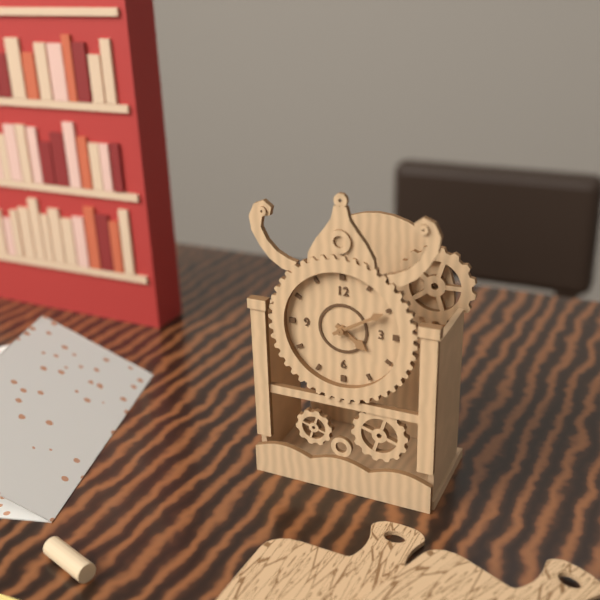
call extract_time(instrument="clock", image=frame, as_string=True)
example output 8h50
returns 4h10
